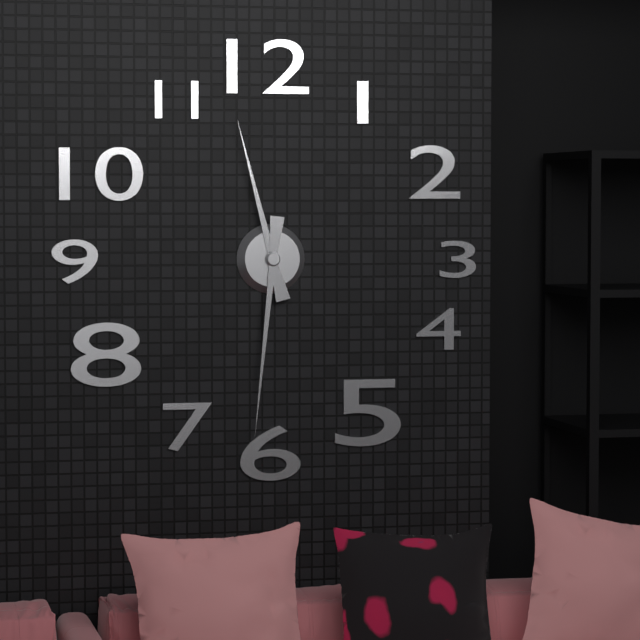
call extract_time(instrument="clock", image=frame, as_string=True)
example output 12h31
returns 11h31
